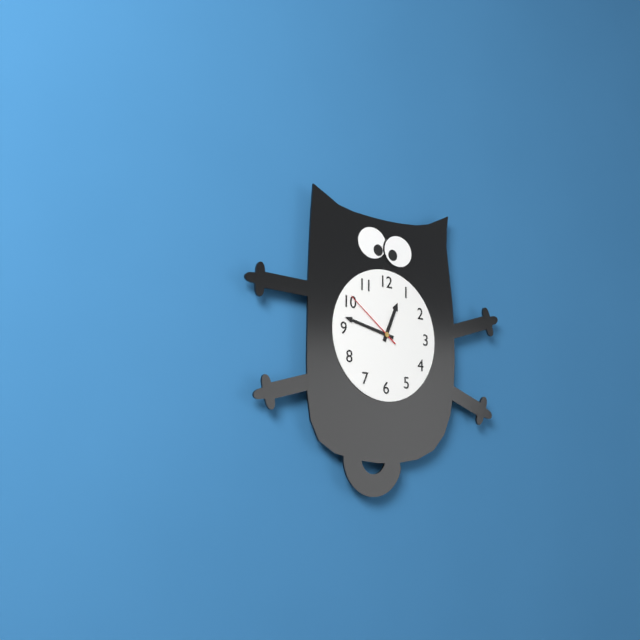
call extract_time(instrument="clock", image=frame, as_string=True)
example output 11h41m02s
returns 12h47m51s
